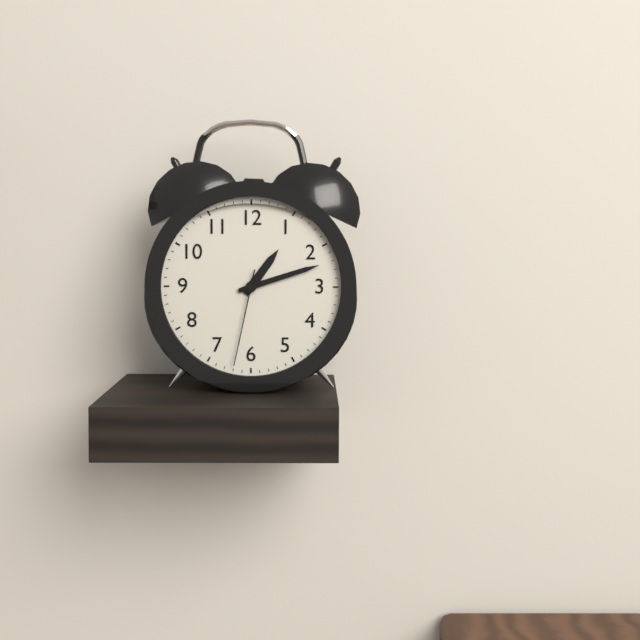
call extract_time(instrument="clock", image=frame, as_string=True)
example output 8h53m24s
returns 1h12m32s
